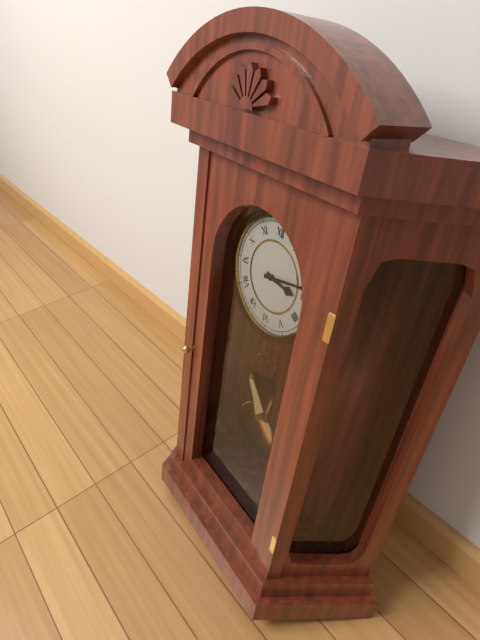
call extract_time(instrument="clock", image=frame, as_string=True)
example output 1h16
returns 3h13
